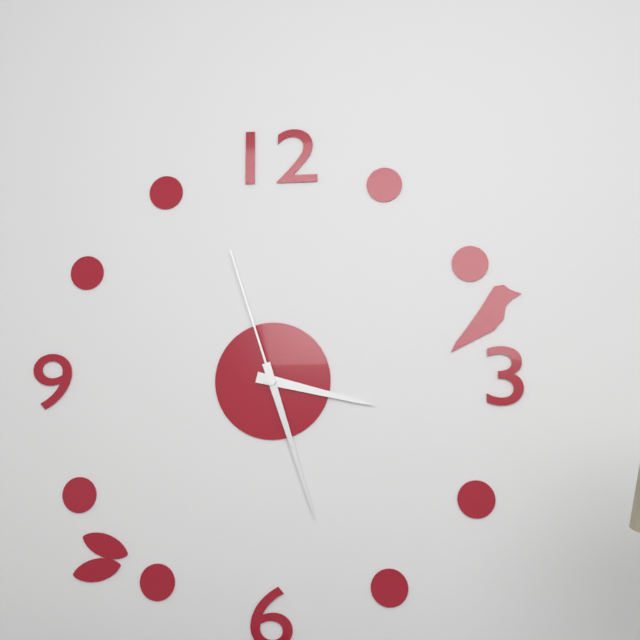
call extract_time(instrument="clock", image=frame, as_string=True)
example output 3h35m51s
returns 3h27m57s
